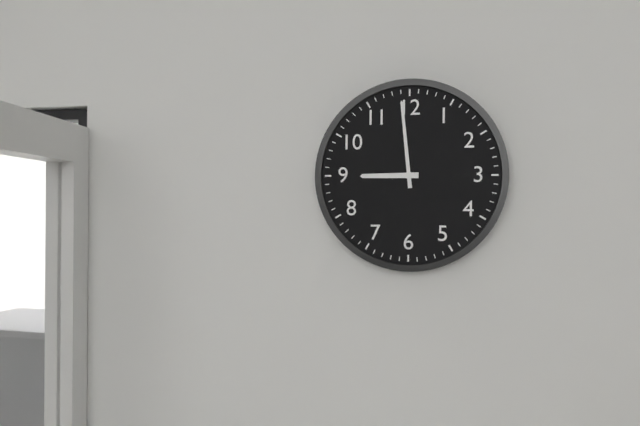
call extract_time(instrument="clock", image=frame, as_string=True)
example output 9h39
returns 8h59
